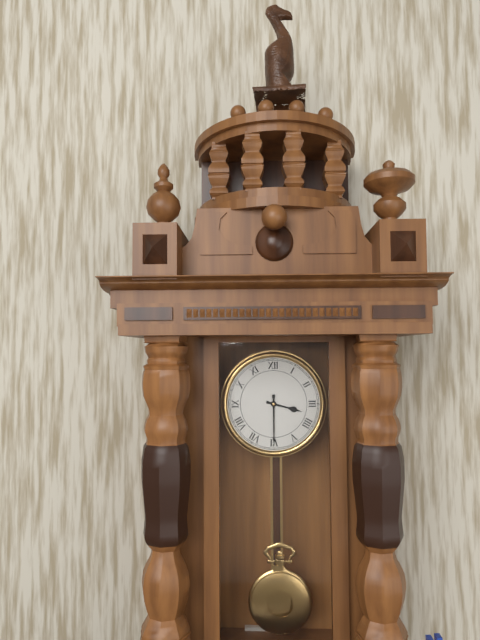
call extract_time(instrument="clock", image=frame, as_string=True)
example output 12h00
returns 3h30
